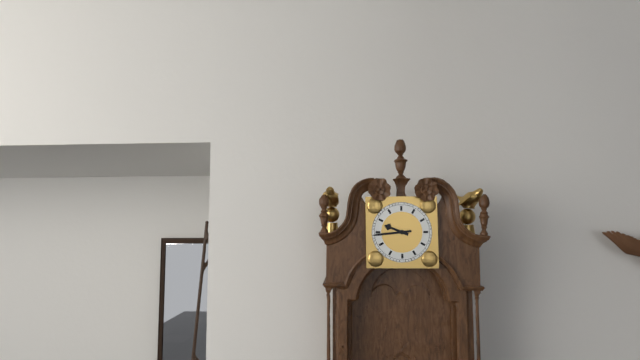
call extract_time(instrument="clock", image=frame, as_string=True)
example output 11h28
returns 9h44
